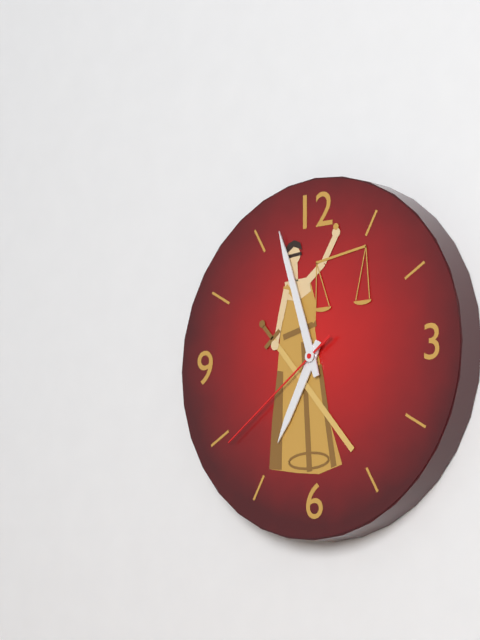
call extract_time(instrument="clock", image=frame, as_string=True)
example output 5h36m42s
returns 6h57m39s
